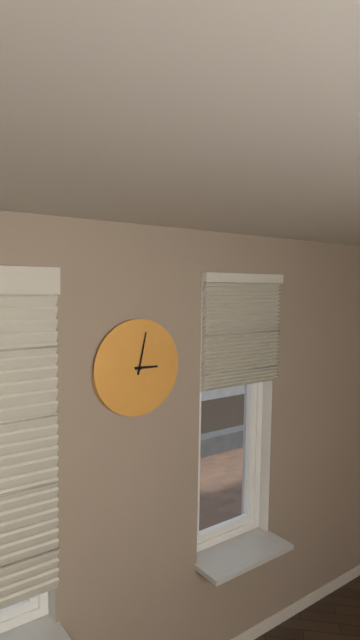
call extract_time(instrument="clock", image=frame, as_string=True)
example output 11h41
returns 3h02
